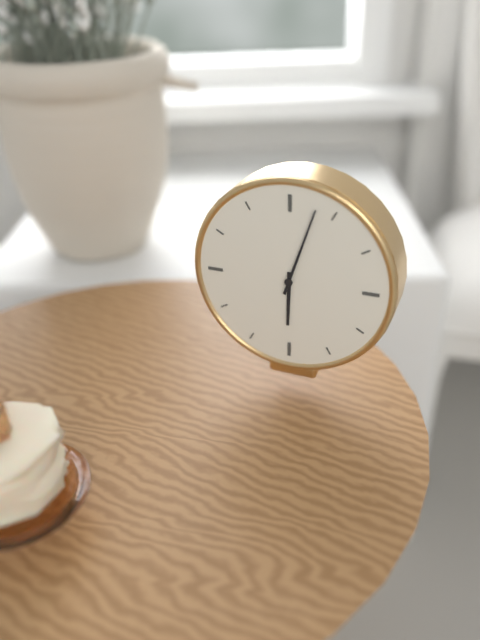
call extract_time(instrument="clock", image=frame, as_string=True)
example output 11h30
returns 6h03
